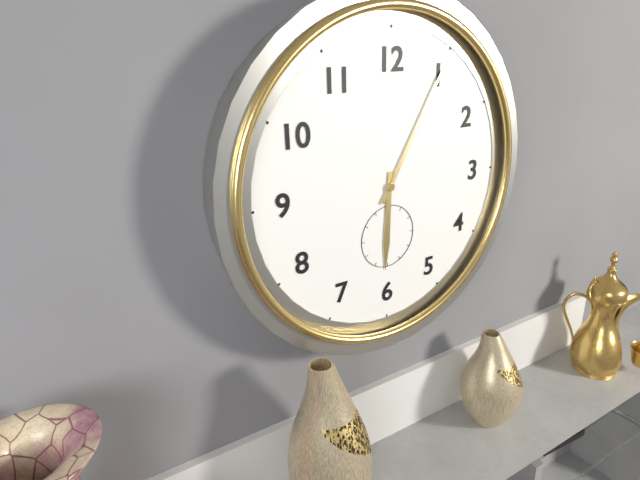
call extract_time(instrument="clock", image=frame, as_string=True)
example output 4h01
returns 6h05
